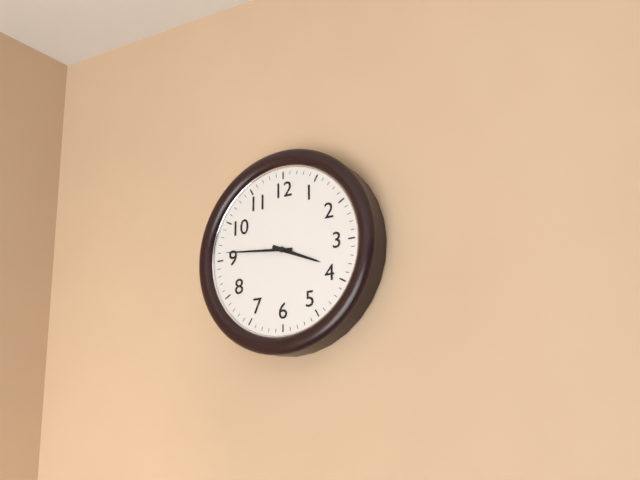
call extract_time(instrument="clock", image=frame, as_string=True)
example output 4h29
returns 3h46
